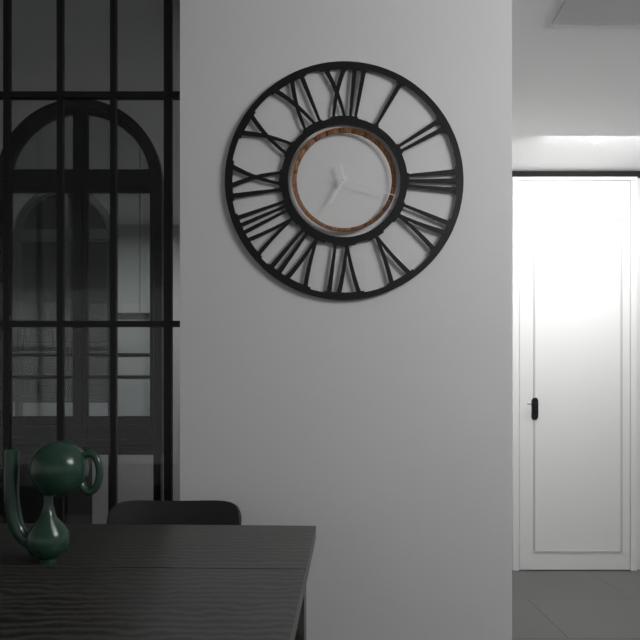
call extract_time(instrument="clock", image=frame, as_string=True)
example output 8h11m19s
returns 11h35m18s
